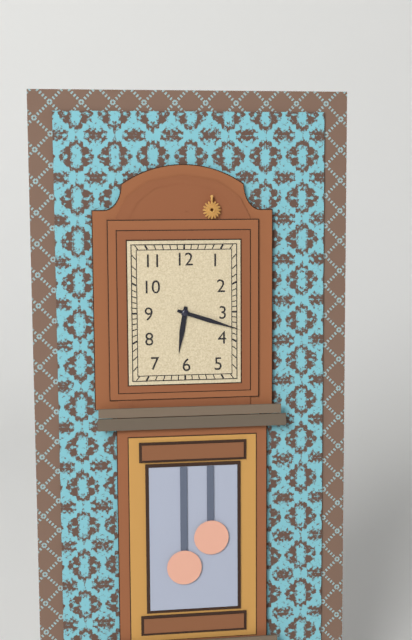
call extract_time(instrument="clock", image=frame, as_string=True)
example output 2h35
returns 6h18
